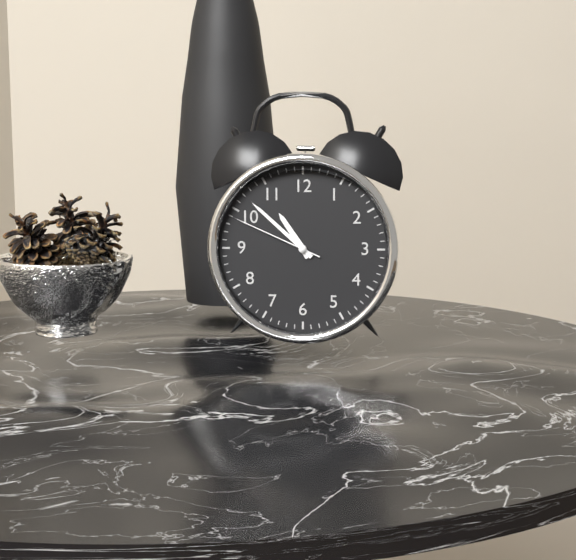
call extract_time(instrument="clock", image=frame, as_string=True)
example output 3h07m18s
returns 10h52m49s
